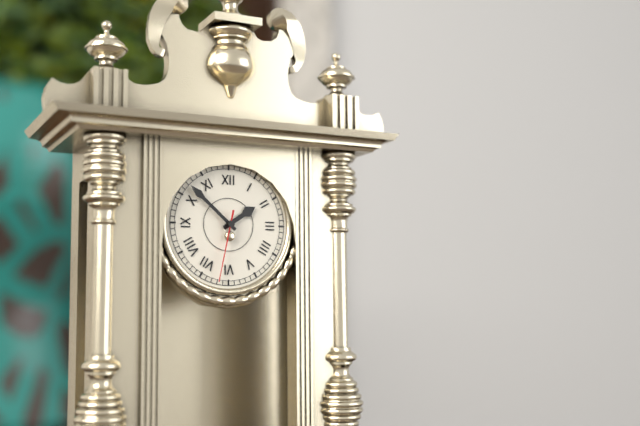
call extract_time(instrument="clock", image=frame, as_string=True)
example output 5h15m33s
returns 1h52m32s
